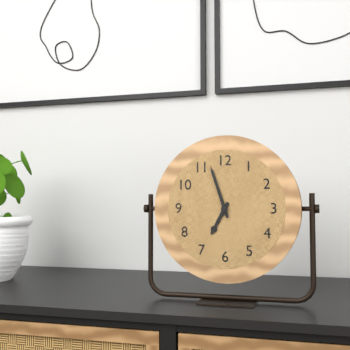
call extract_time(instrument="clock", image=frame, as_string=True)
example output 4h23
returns 6h57
